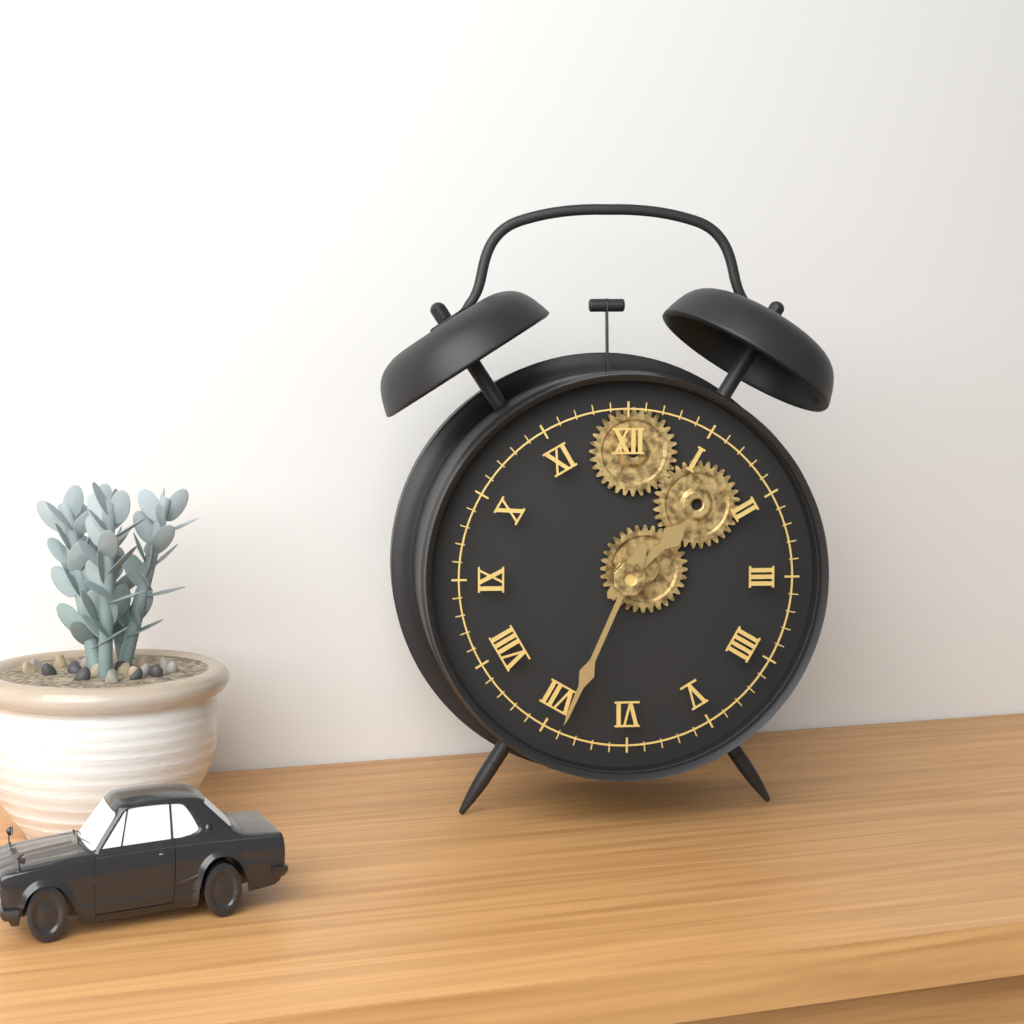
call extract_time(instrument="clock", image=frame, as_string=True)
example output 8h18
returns 1h34
